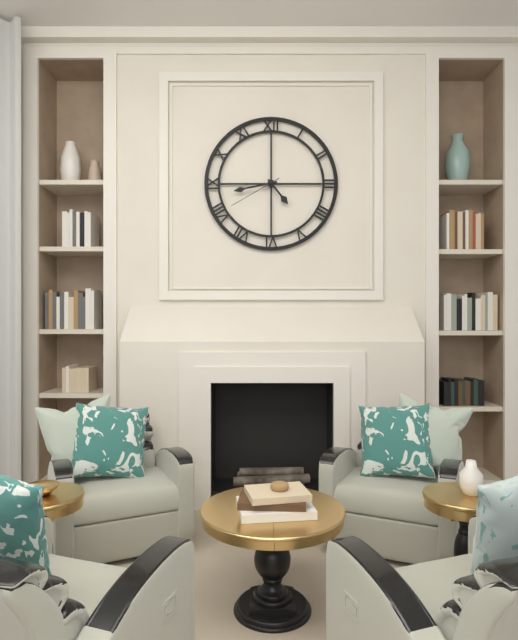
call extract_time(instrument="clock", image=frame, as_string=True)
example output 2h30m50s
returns 4h43m40s
